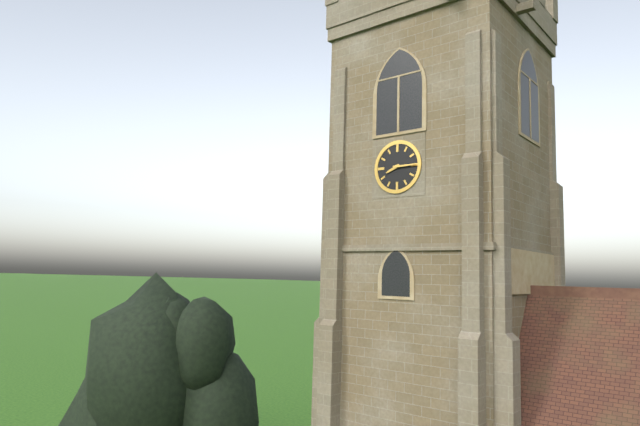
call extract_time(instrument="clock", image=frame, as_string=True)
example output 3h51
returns 8h15
